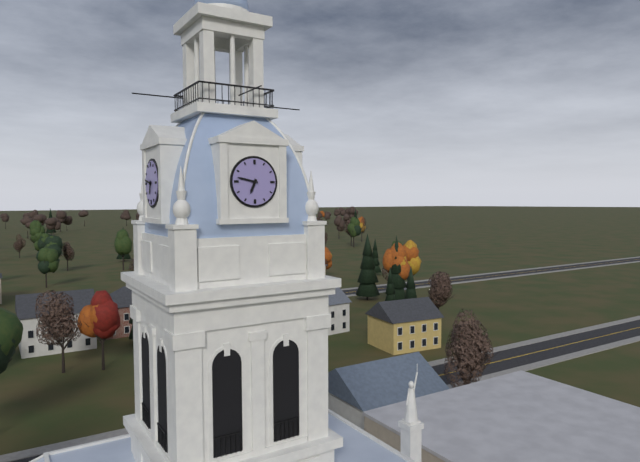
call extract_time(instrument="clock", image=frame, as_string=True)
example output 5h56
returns 6h47
